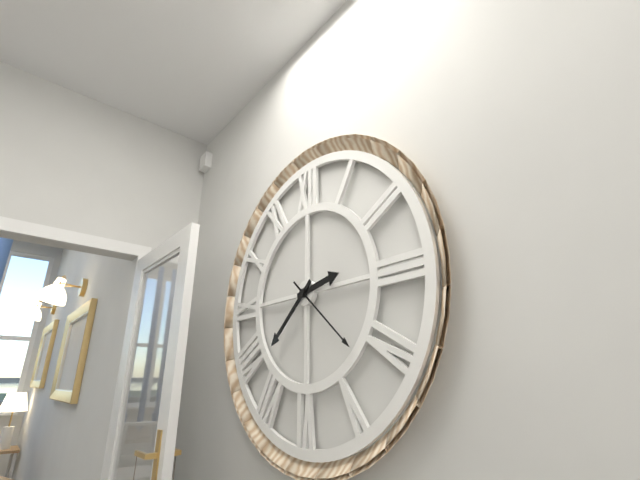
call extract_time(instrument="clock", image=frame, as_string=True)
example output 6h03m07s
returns 2h38m22s
